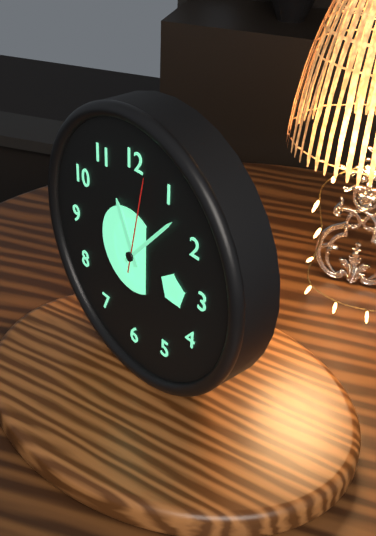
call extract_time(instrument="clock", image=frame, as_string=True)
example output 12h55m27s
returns 11h07m02s
